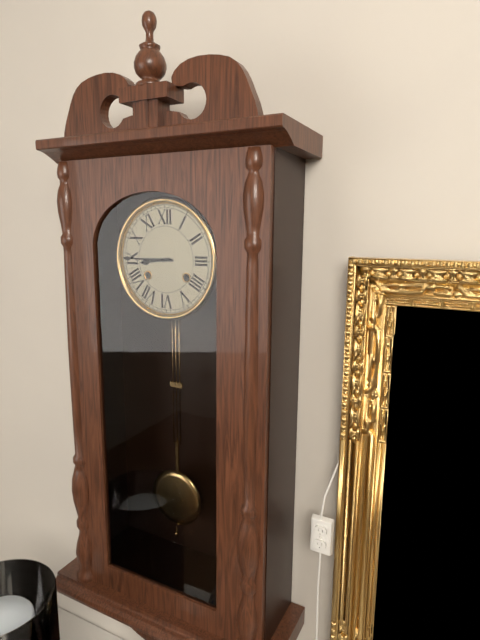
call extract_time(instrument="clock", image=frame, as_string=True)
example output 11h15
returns 8h45
